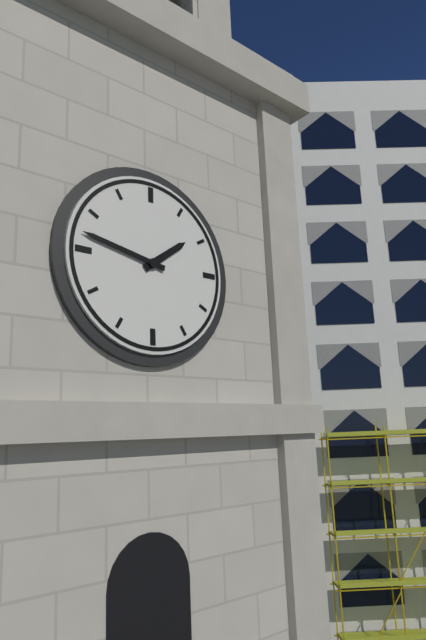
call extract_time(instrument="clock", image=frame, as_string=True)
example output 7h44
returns 1h47
